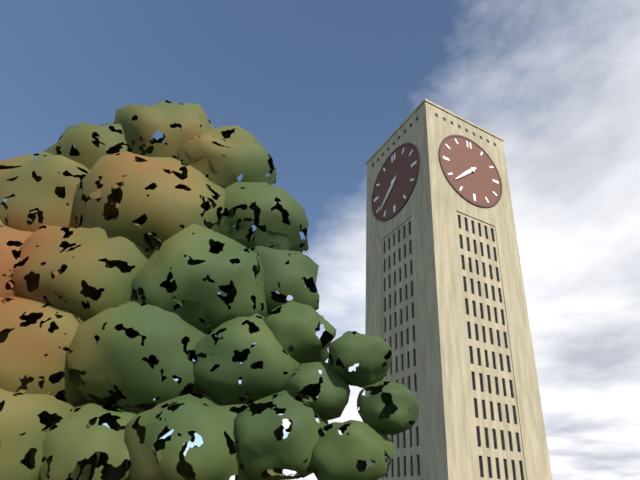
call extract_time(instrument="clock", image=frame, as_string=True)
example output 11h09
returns 7h38
